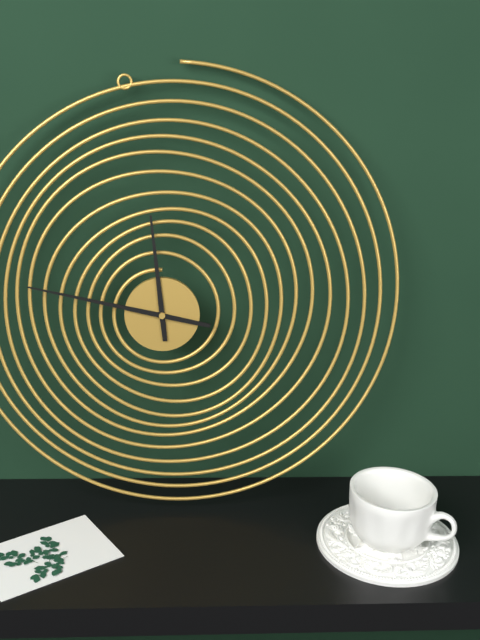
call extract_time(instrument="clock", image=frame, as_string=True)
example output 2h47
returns 11h47
